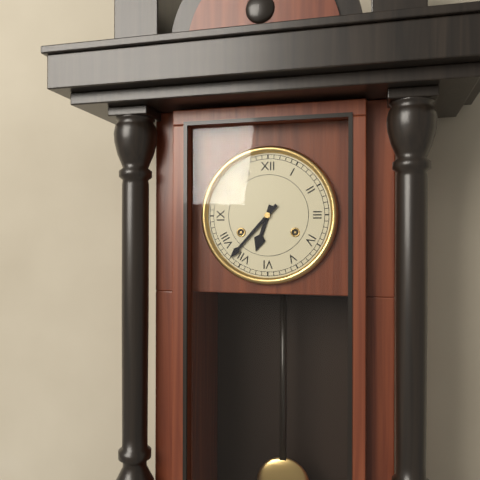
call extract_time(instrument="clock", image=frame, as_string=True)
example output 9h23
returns 6h37
